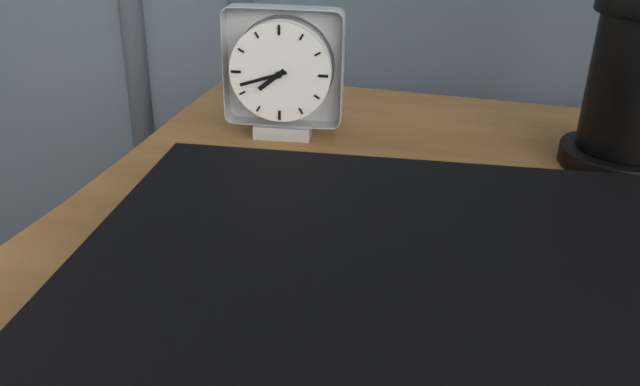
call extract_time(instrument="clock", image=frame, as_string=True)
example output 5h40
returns 7h42
